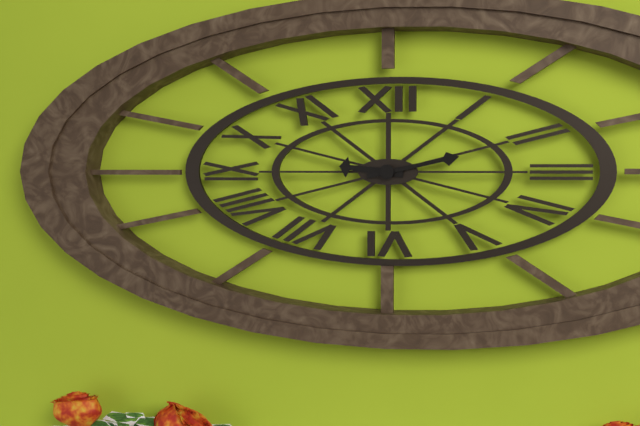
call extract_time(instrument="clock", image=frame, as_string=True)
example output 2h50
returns 9h13
